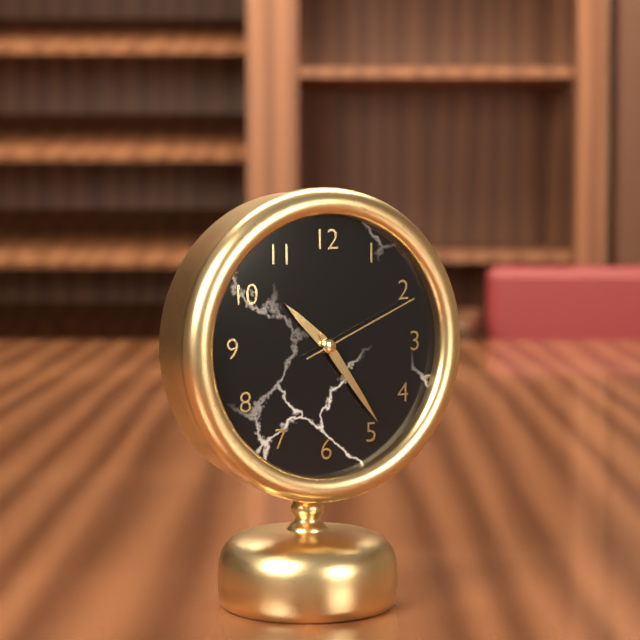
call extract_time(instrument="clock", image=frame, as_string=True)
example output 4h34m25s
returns 10h24m11s
